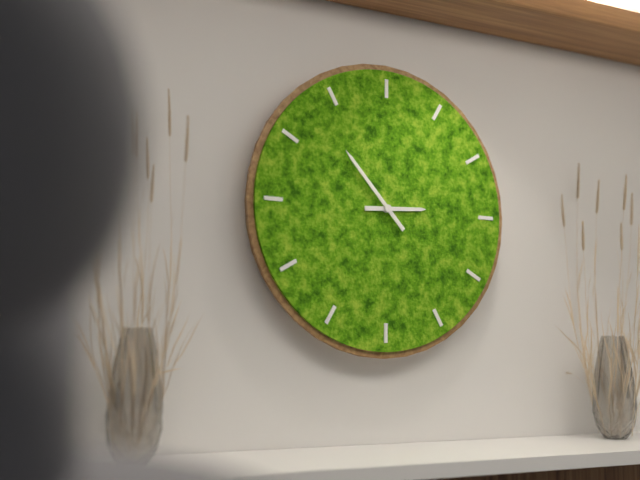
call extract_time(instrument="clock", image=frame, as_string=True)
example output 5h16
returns 2h53
